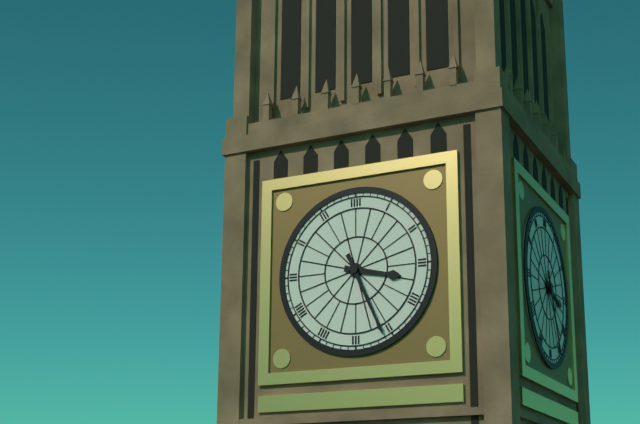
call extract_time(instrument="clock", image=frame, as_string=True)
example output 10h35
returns 3h26
